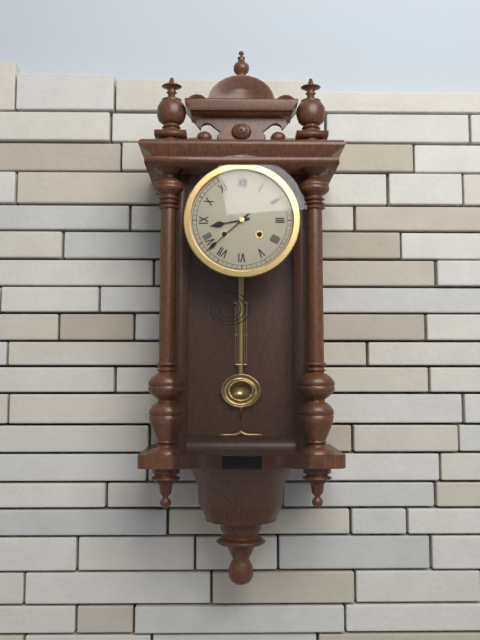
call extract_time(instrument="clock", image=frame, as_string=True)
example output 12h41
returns 8h38
